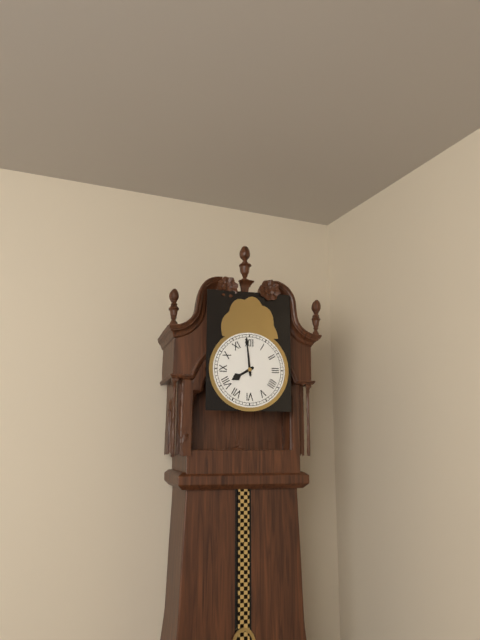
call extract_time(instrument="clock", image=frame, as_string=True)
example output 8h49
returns 7h59
